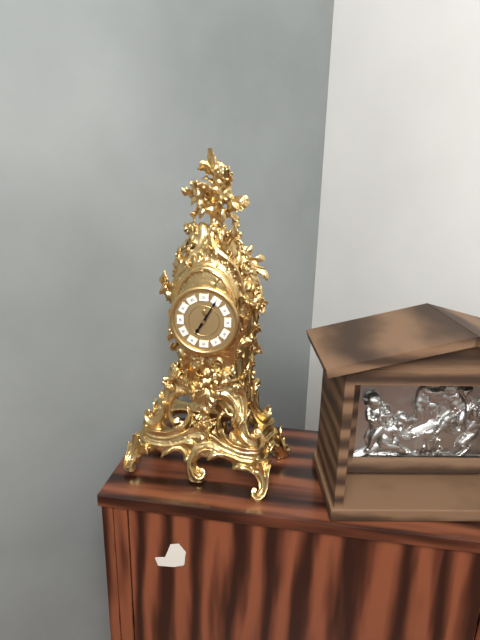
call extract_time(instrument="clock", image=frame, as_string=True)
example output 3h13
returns 7h05
